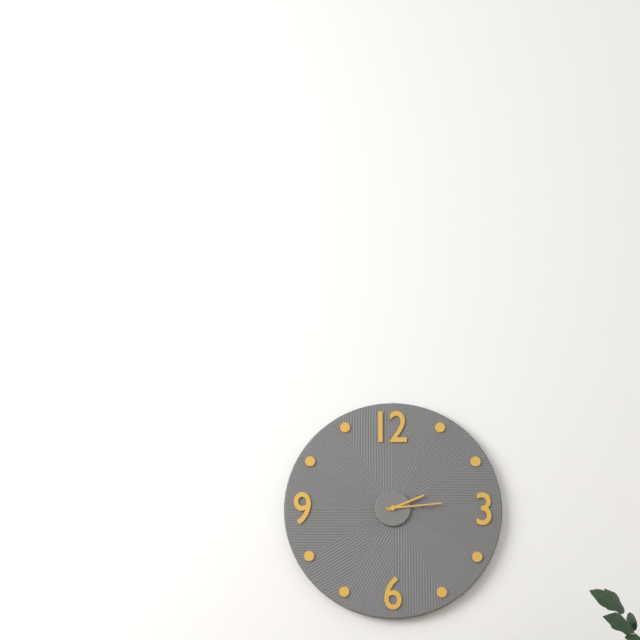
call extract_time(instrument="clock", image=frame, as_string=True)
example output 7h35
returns 2h14
